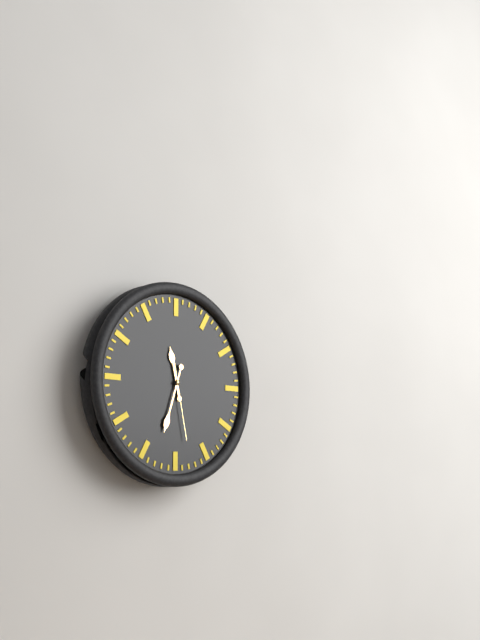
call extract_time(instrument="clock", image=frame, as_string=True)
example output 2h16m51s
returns 11h33m28s
